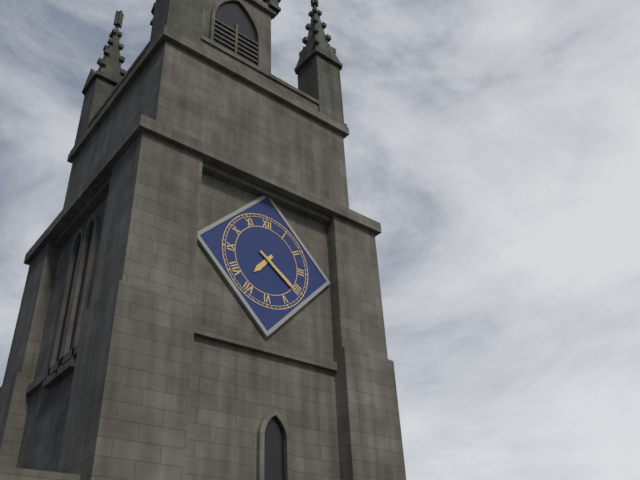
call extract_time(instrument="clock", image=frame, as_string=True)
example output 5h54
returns 7h21
